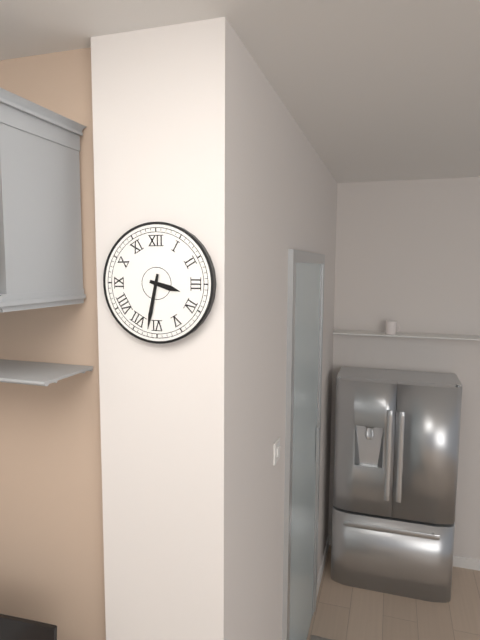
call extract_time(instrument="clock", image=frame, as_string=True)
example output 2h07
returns 3h32
